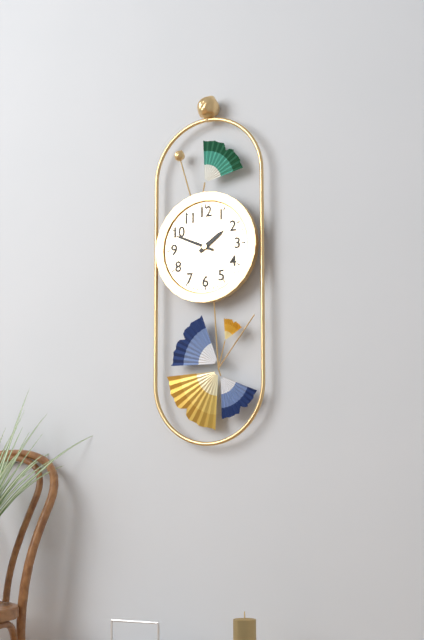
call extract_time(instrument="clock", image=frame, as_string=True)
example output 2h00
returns 1h49
